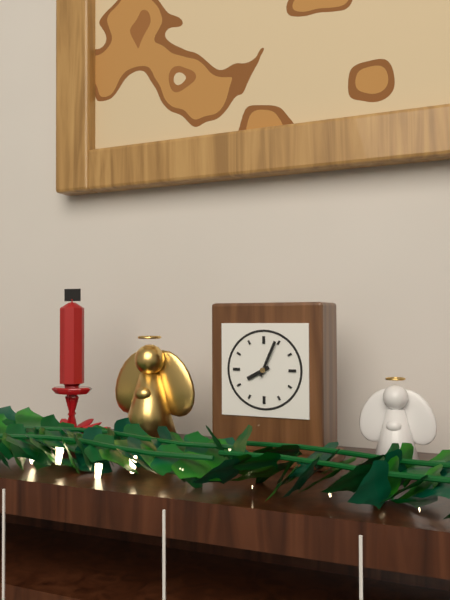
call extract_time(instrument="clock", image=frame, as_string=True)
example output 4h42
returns 8h04
